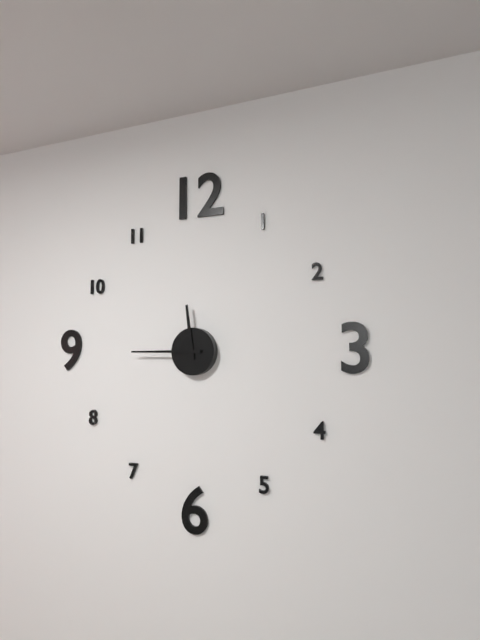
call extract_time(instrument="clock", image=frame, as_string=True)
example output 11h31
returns 11h45
